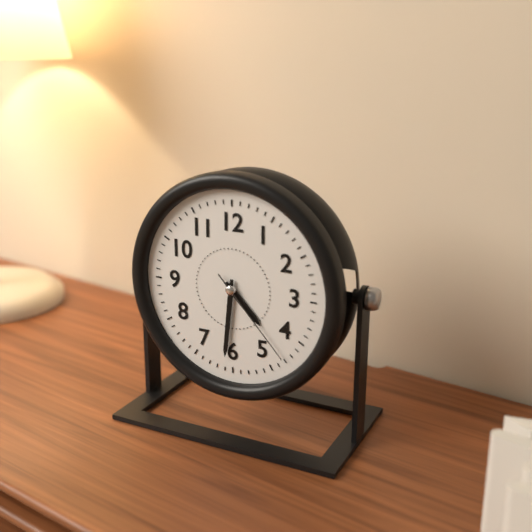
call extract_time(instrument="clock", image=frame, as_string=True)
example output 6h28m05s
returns 4h31m23s
